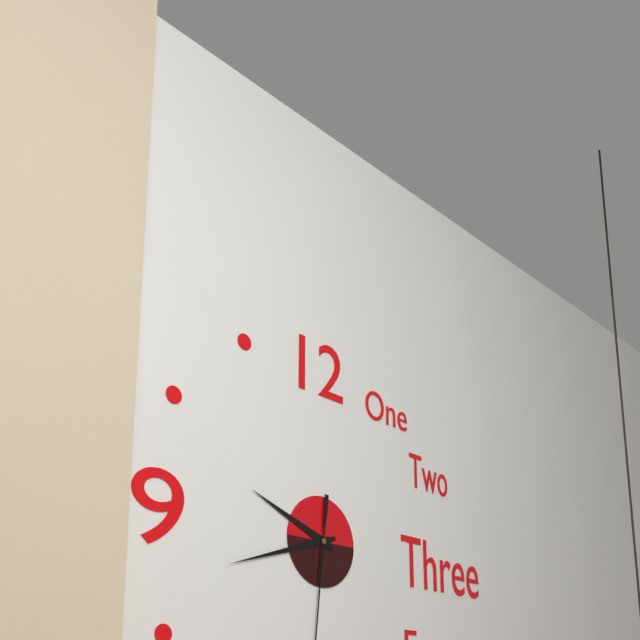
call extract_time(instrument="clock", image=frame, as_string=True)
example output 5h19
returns 9h42
